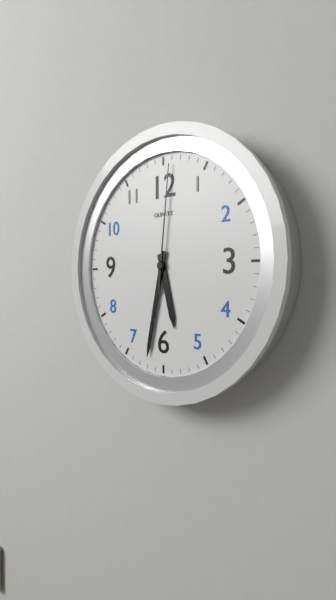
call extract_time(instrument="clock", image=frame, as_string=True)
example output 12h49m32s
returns 5h32m01s
